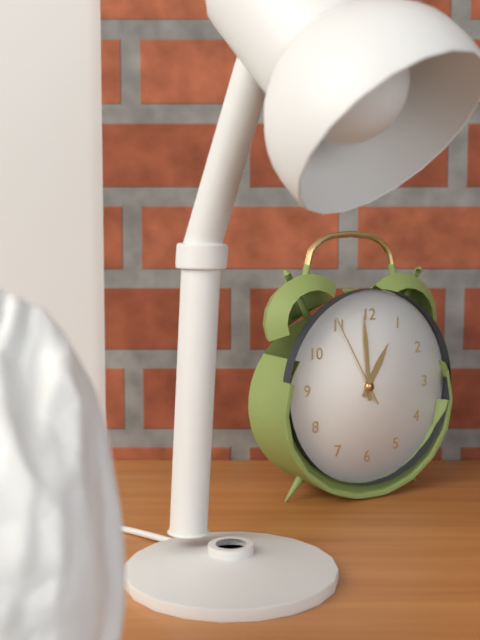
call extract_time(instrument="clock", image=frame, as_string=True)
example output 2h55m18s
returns 12h59m55s
